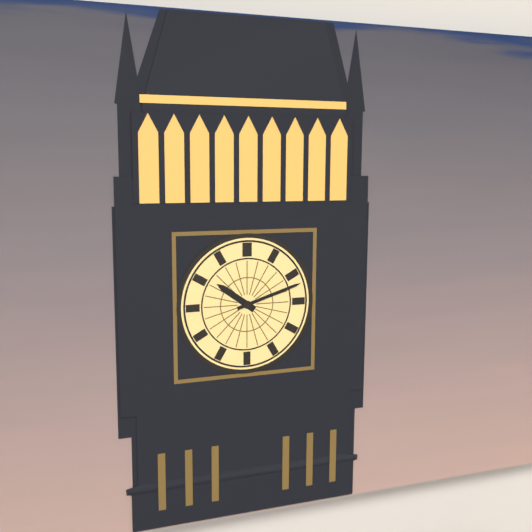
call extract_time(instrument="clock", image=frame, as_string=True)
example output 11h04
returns 10h12
